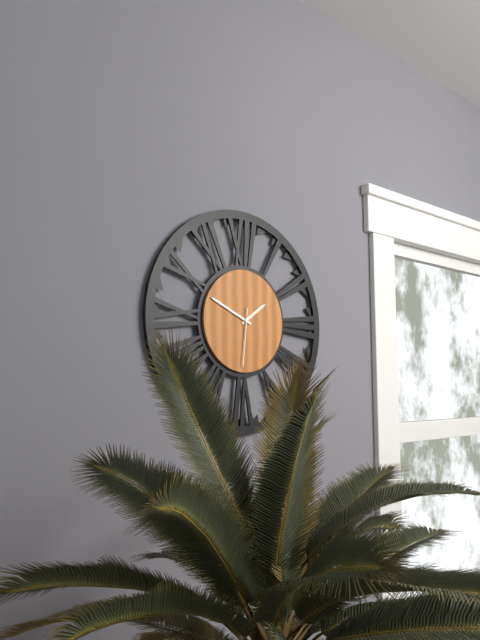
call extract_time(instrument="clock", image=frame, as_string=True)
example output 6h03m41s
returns 1h49m31s
